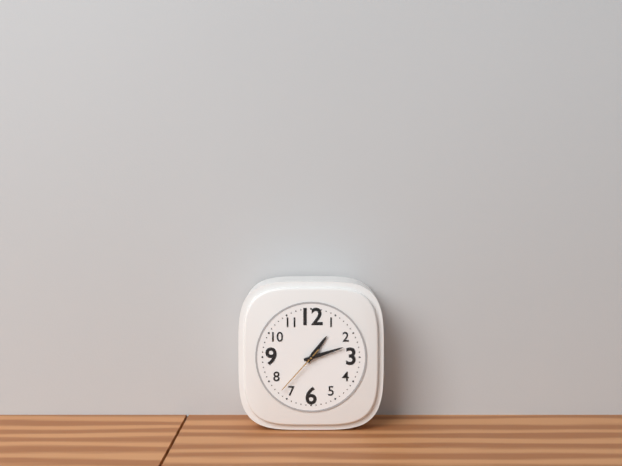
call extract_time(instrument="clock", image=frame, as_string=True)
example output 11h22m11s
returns 1h12m37s
